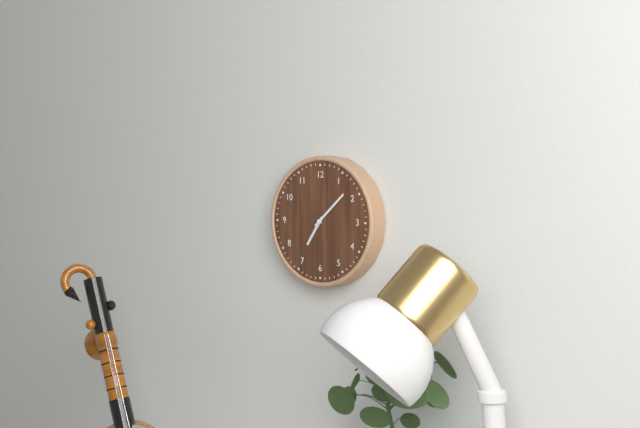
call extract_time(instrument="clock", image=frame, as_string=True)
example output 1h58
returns 7h08
